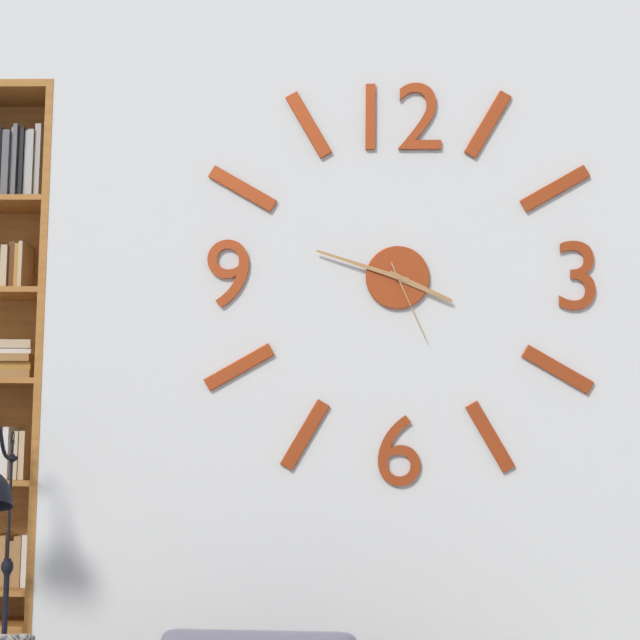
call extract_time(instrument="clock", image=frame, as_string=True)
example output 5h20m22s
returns 3h48m26s
